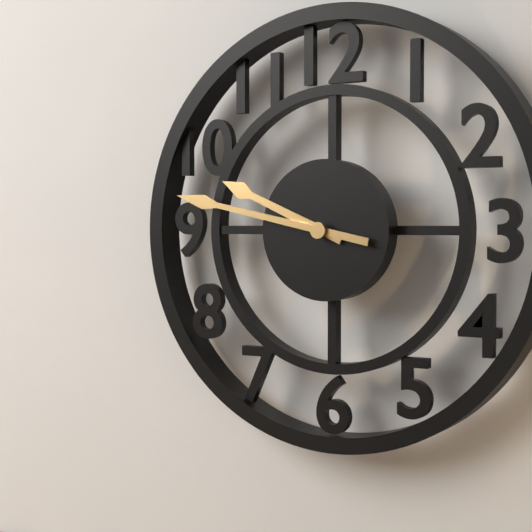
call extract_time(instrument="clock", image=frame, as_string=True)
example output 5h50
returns 9h47
